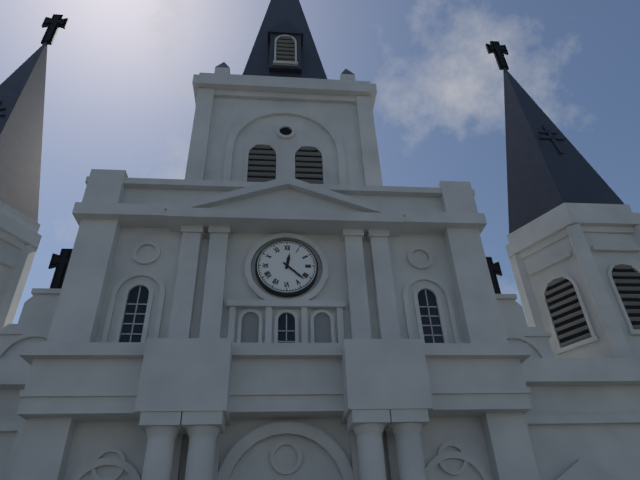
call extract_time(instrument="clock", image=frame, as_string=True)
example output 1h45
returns 12h22
